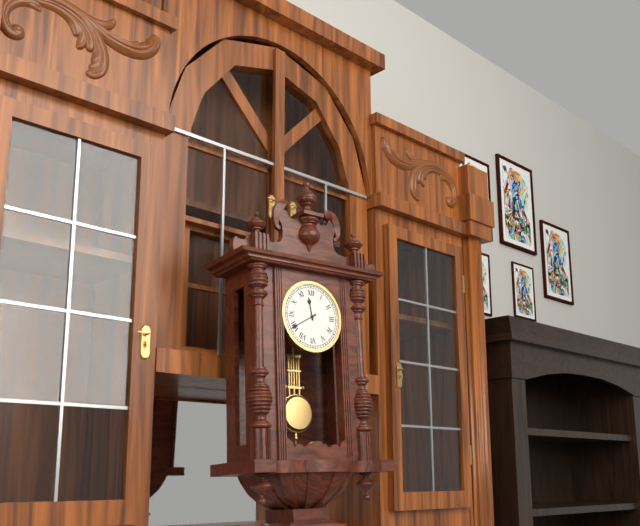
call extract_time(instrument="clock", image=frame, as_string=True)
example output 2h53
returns 11h40
